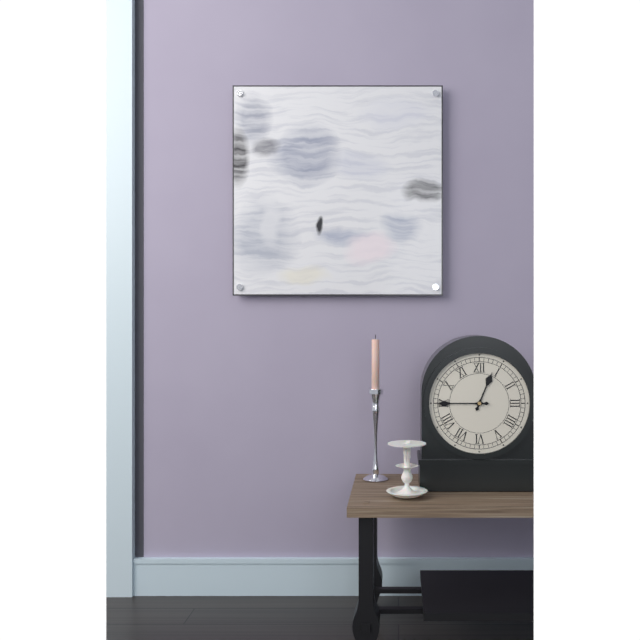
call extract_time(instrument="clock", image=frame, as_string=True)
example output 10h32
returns 12h45
